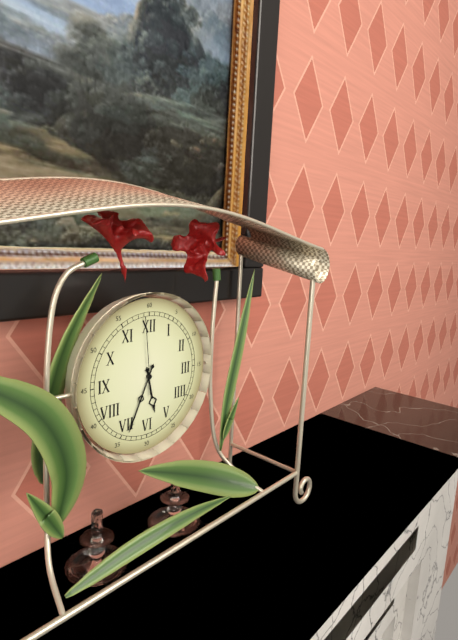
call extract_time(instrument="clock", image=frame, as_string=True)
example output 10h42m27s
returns 5h34m59s
